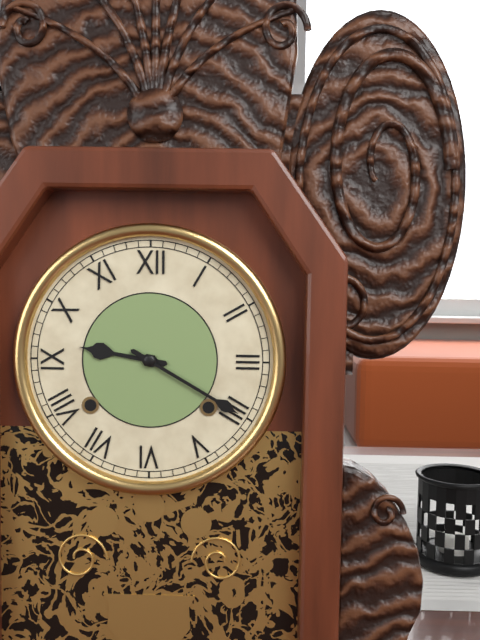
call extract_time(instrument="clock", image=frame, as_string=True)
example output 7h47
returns 9h20
